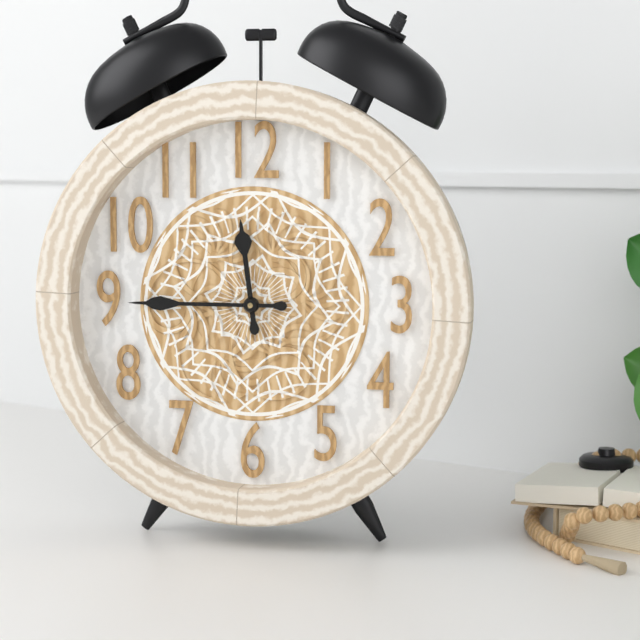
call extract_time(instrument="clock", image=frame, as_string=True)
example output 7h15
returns 11h45
